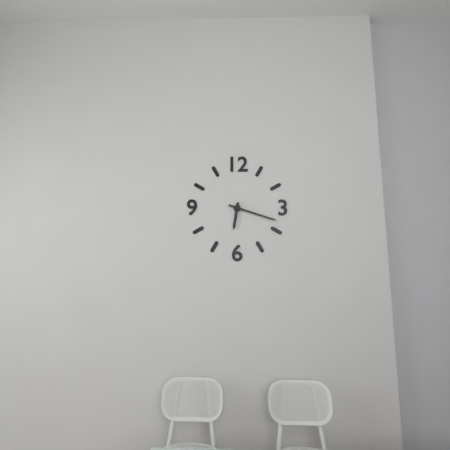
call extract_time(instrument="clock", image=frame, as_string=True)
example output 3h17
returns 6h18
